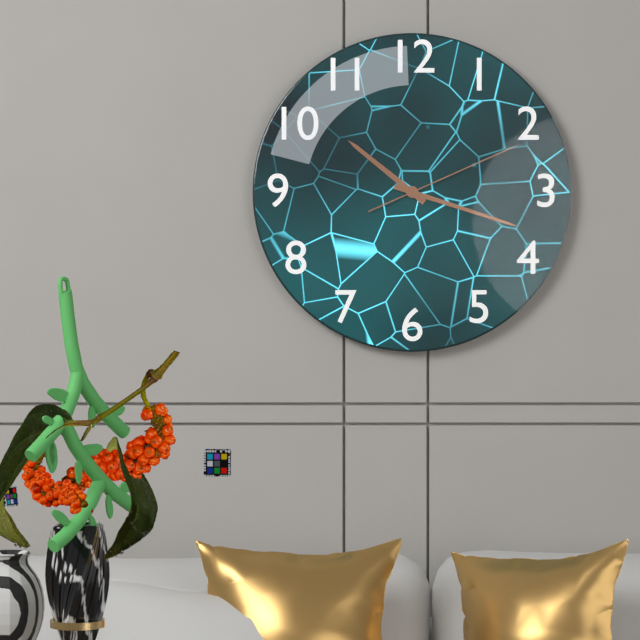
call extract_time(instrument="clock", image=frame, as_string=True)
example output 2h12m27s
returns 10h18m11s
